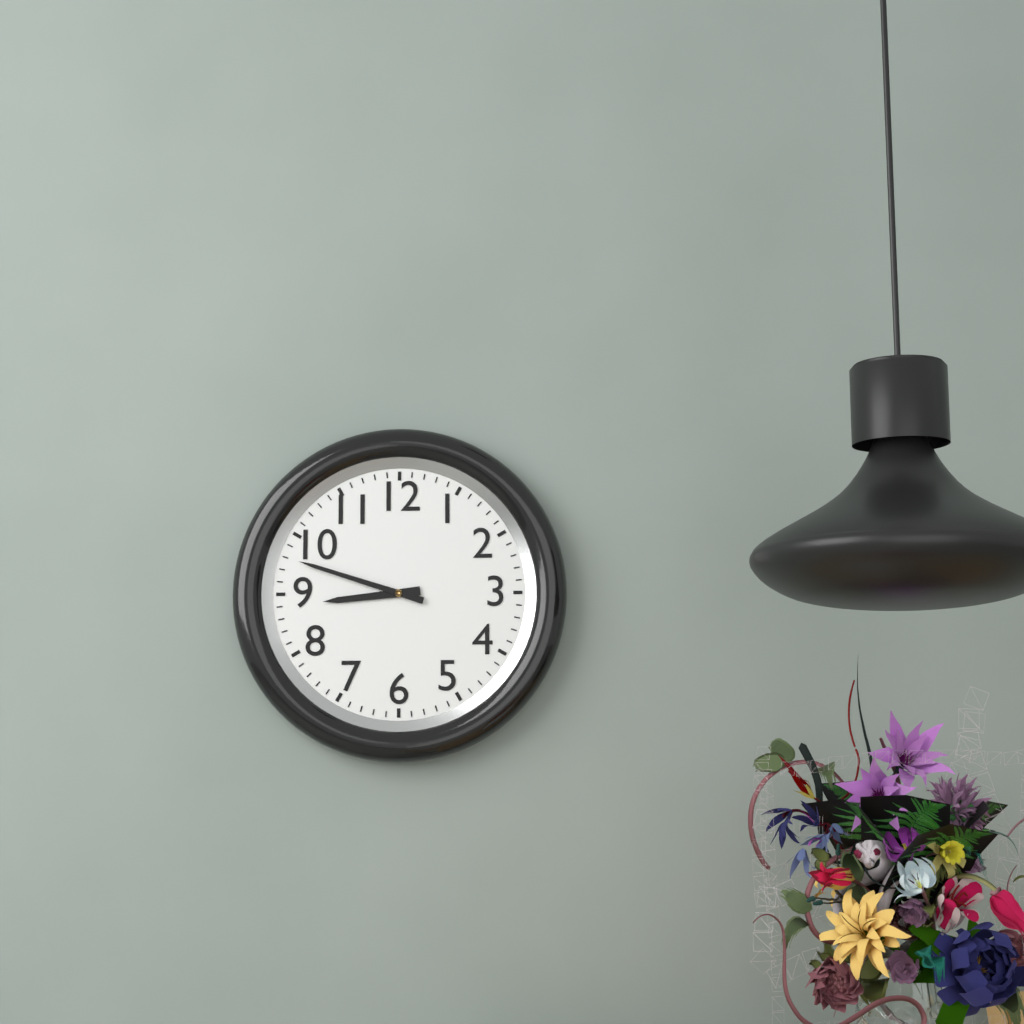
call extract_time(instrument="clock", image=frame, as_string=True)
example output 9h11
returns 8h48
